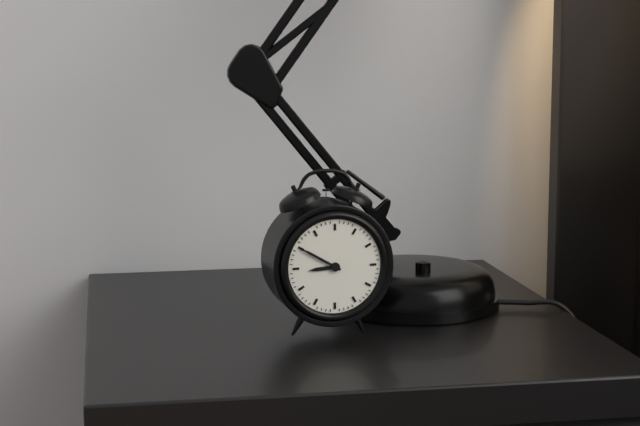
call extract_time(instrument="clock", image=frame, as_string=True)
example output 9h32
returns 8h50
